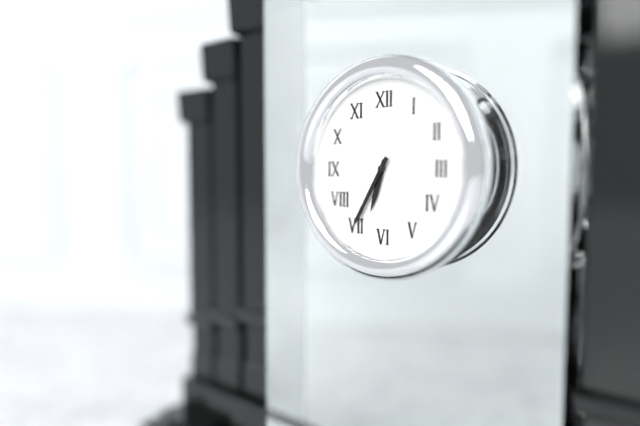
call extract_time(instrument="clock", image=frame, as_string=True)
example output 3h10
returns 6h35
